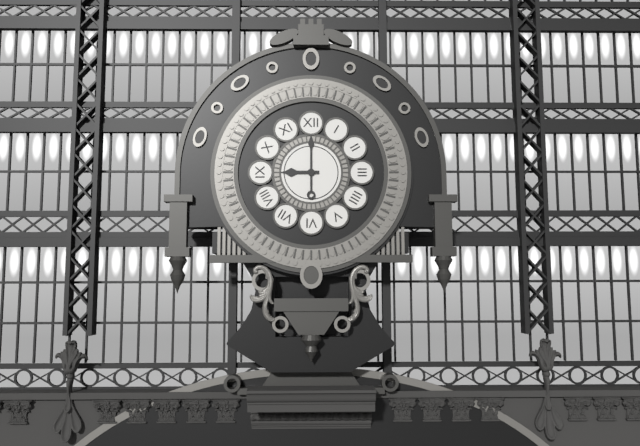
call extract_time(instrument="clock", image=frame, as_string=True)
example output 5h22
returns 9h00
